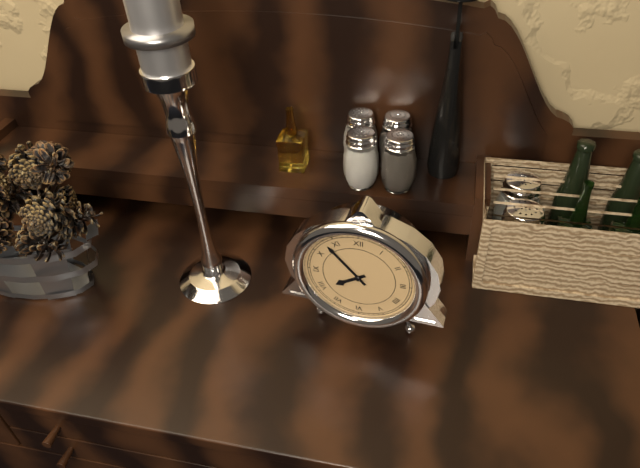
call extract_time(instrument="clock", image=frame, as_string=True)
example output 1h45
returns 7h53
